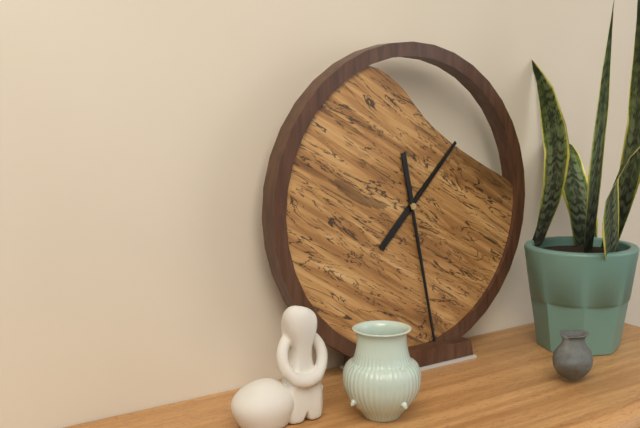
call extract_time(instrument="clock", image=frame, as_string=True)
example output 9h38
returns 1h28
